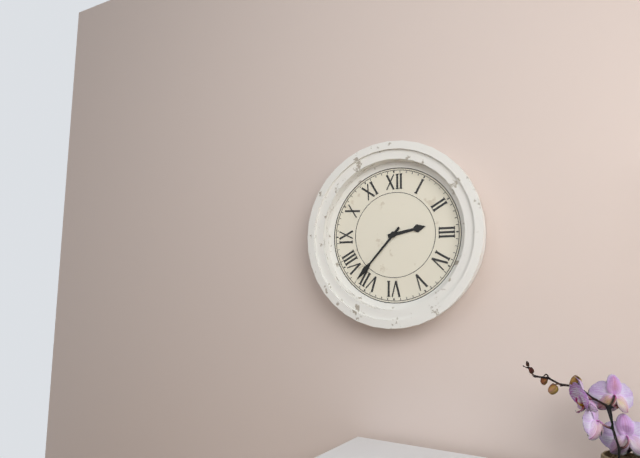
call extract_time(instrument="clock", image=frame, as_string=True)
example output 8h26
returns 2h37
